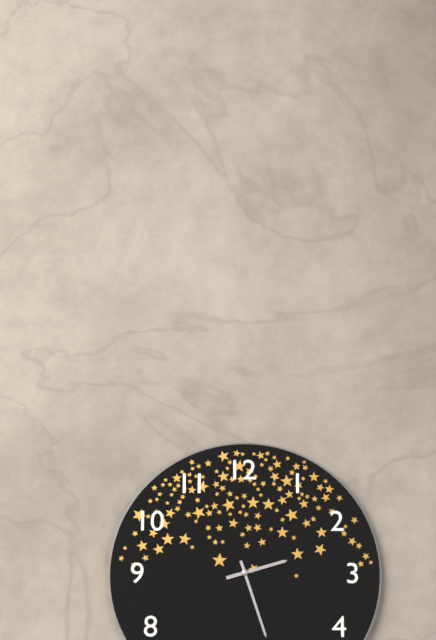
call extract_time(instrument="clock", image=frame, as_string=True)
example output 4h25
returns 2h27
